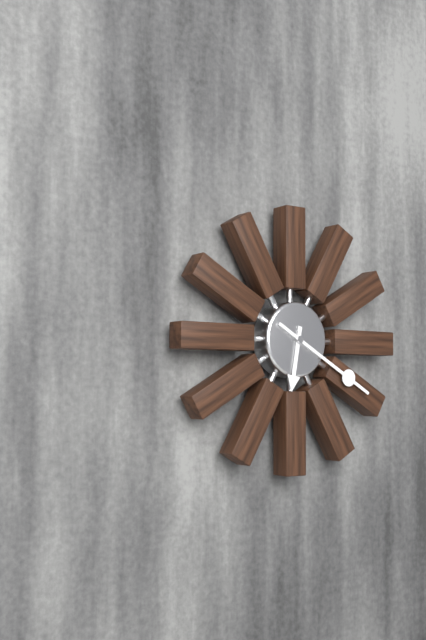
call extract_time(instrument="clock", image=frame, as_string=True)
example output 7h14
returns 6h20
